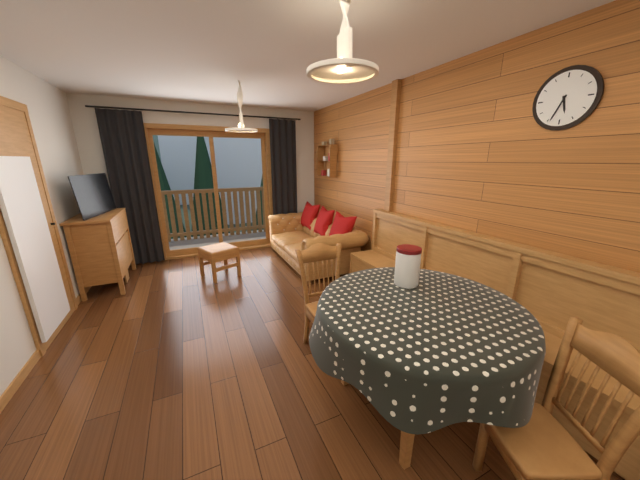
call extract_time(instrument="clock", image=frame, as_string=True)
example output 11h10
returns 5h34
